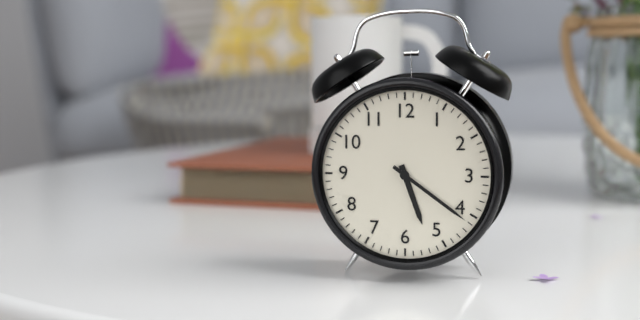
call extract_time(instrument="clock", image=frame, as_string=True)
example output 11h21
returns 5h21
